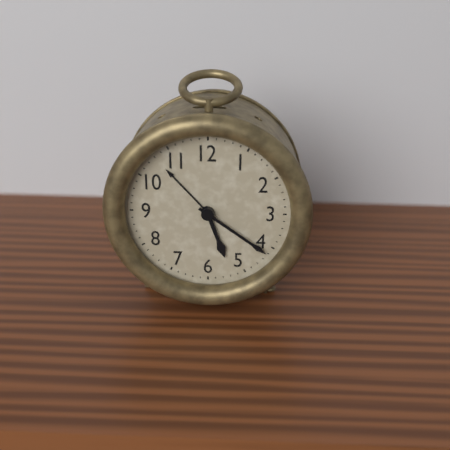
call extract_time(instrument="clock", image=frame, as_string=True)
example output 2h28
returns 5h21
